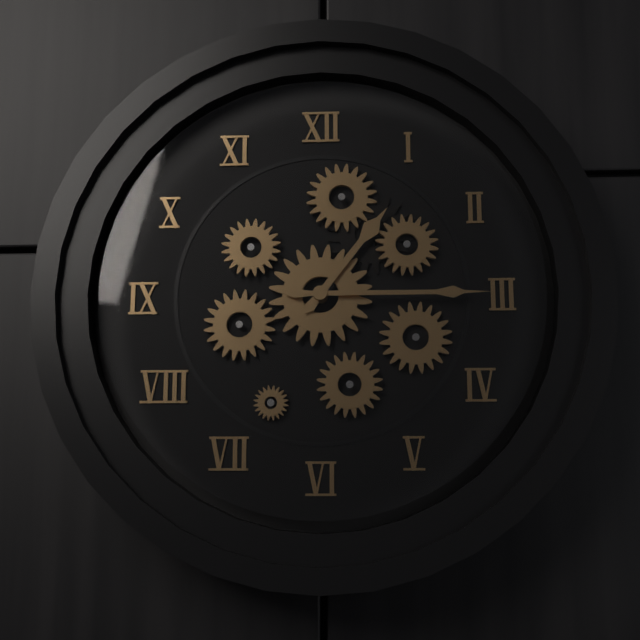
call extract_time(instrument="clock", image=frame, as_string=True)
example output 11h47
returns 1h15
